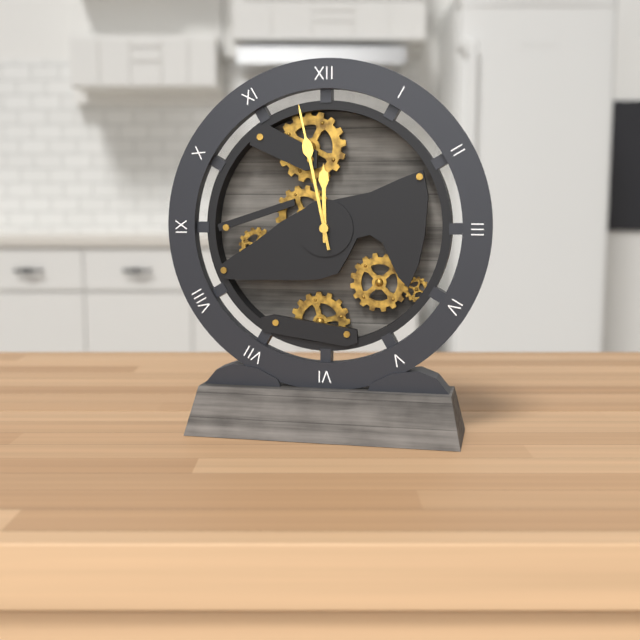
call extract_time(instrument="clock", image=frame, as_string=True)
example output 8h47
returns 11h58
